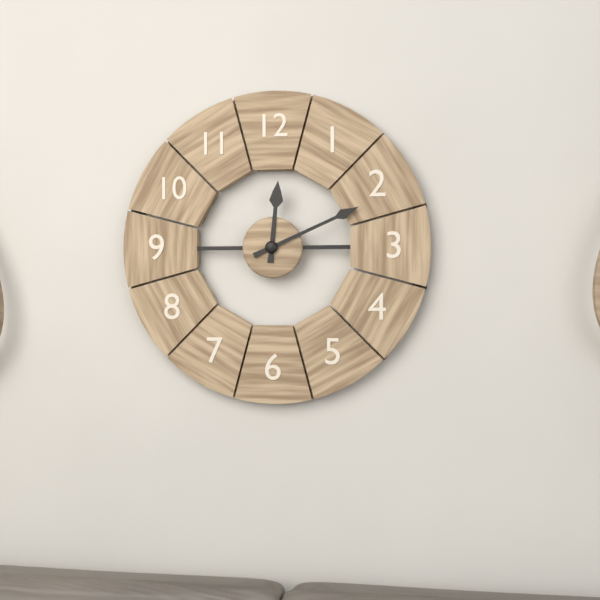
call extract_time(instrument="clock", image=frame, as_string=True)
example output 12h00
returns 12h11
